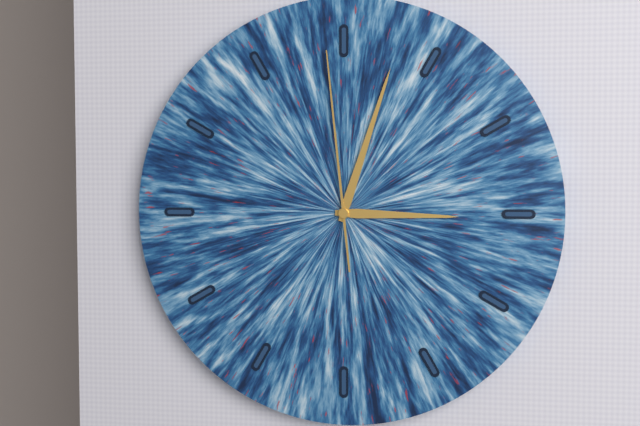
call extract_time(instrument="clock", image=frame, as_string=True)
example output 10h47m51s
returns 3h03m59s
